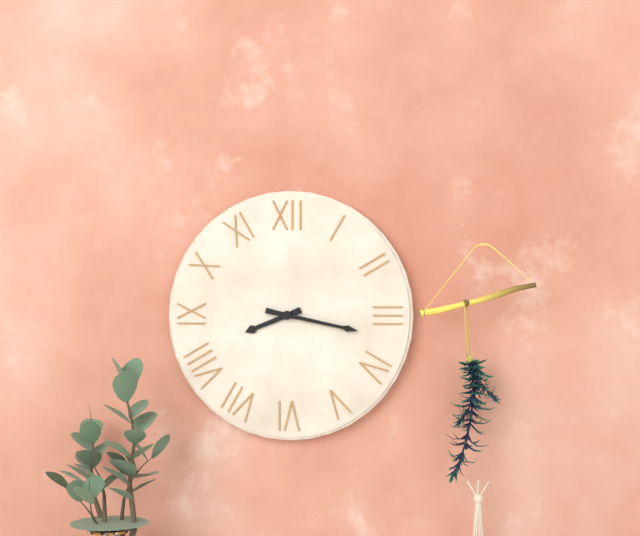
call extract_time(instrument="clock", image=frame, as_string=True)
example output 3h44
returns 8h17
